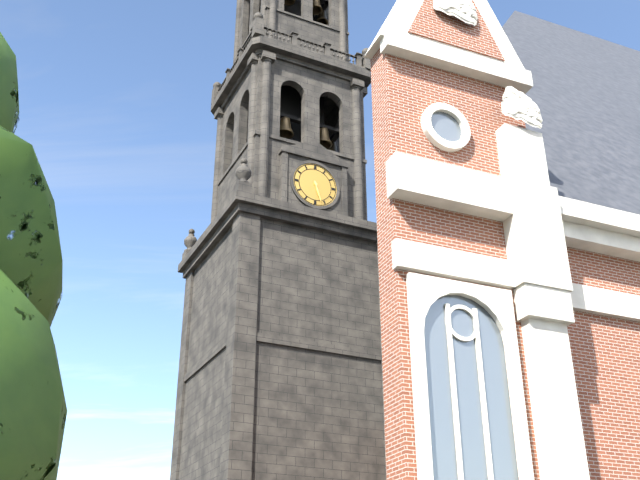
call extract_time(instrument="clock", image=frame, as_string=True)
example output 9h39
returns 5h27
